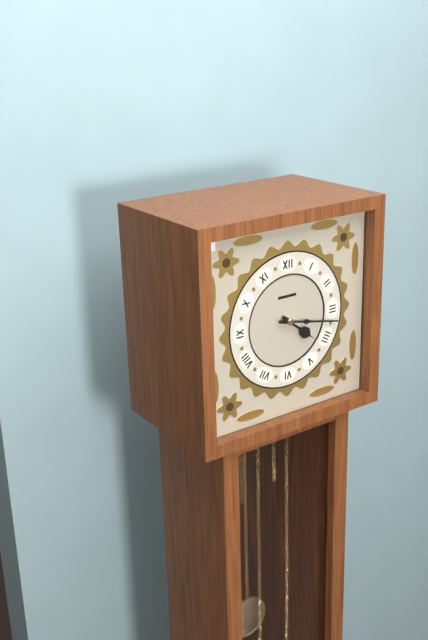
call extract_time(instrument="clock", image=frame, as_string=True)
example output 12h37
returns 4h17
